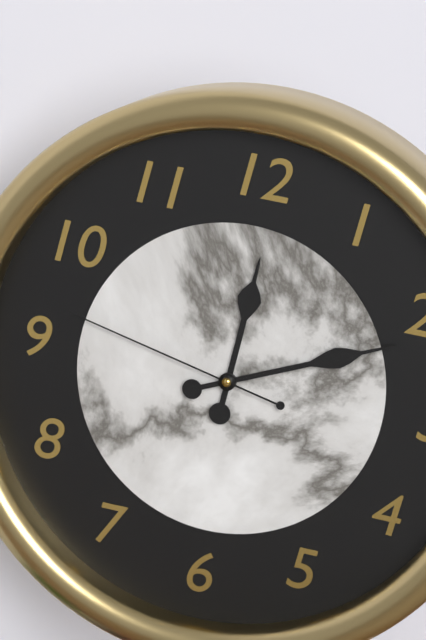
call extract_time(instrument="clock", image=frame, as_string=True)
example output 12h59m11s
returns 12h11m47s
